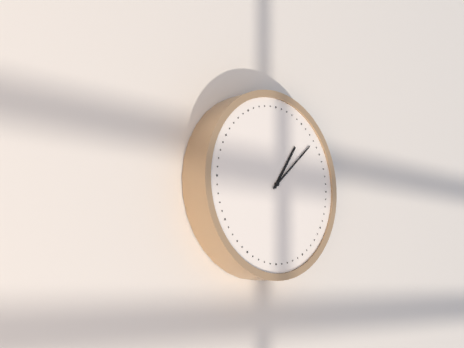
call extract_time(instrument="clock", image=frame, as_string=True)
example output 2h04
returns 1h08
